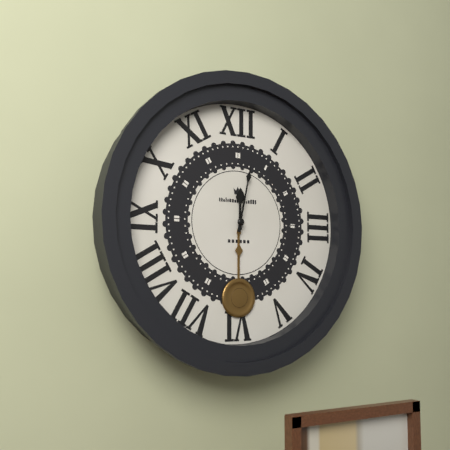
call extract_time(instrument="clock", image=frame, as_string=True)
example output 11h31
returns 12h02
